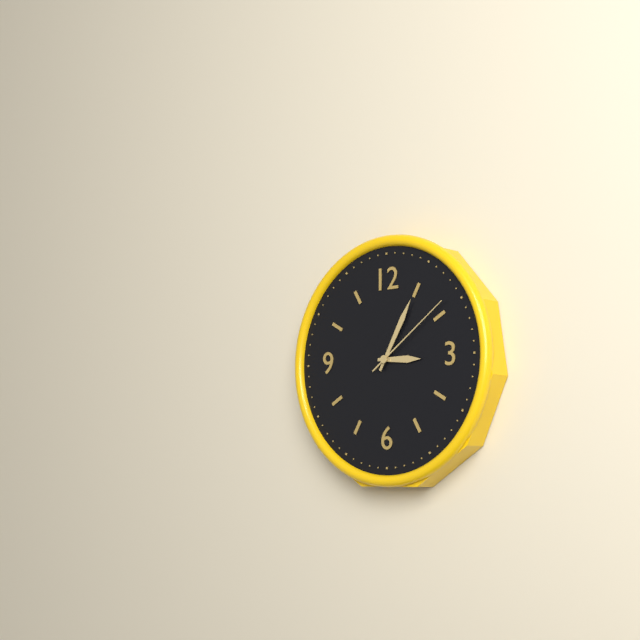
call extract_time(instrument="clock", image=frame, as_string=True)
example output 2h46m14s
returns 3h05m09s
